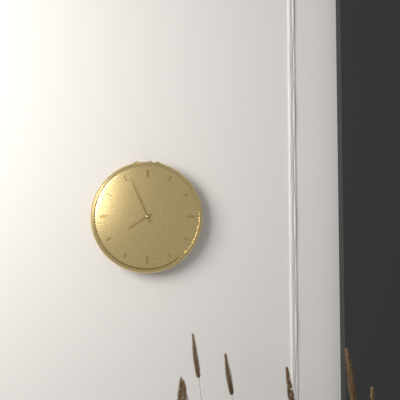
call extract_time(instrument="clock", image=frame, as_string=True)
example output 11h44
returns 7h56
